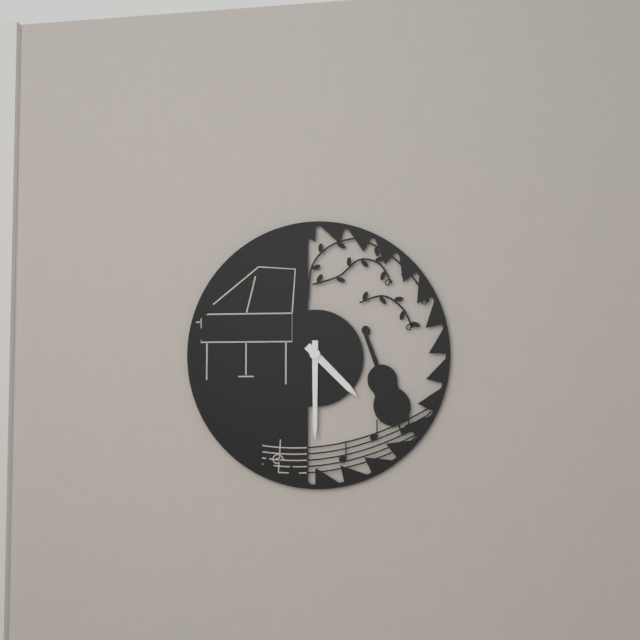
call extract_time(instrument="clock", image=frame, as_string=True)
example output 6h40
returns 4h30
